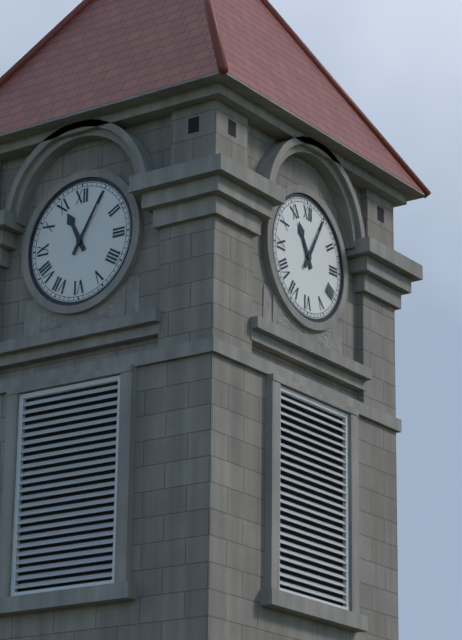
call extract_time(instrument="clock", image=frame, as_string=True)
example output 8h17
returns 11h05
